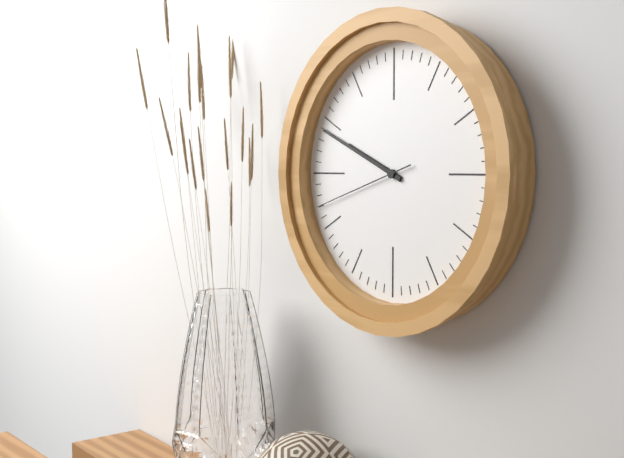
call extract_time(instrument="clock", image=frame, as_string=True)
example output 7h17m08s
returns 9h49m42s
